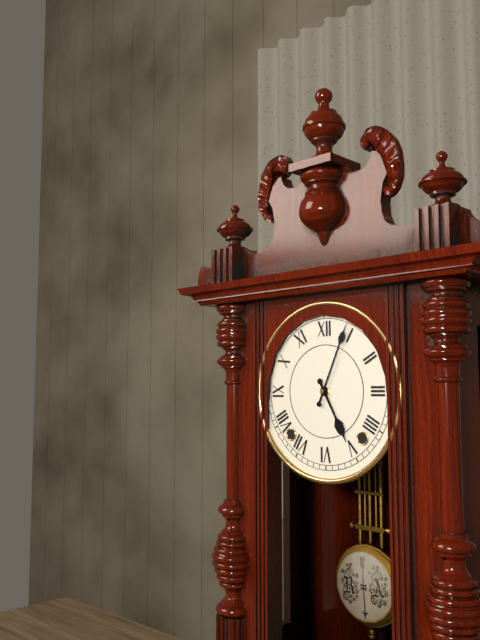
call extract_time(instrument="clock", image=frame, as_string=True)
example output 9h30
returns 5h04
